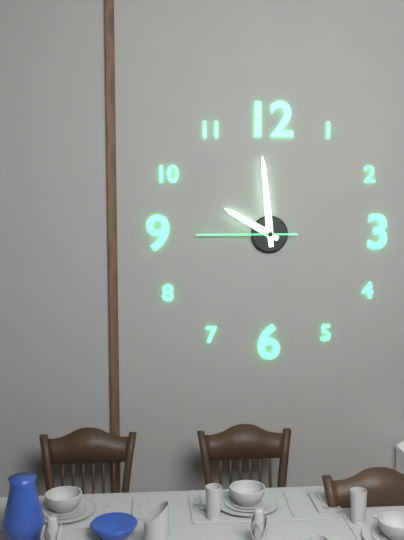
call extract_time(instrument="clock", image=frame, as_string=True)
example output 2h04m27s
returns 9h59m45s
